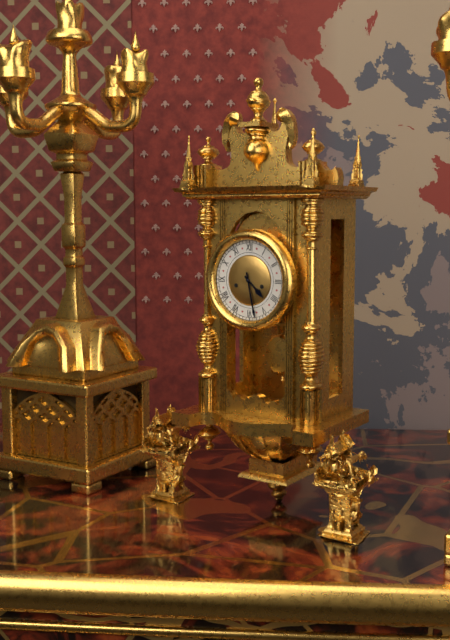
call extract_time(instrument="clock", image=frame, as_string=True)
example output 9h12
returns 4h28
